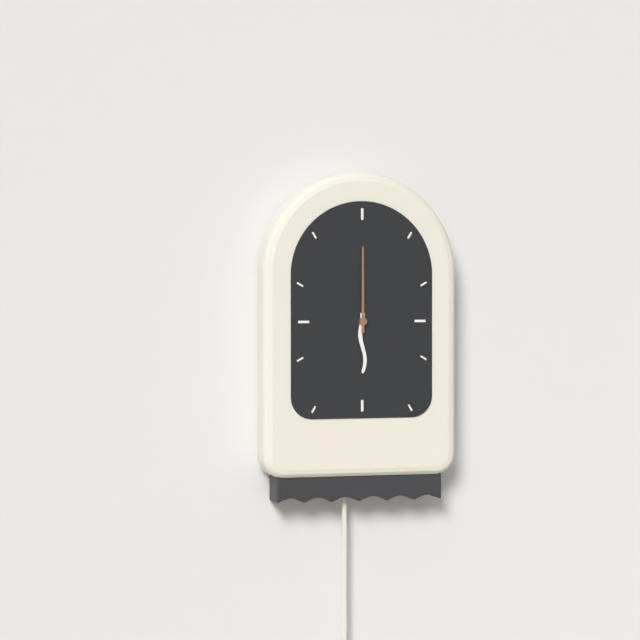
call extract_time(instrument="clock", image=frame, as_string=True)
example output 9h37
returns 6h00
